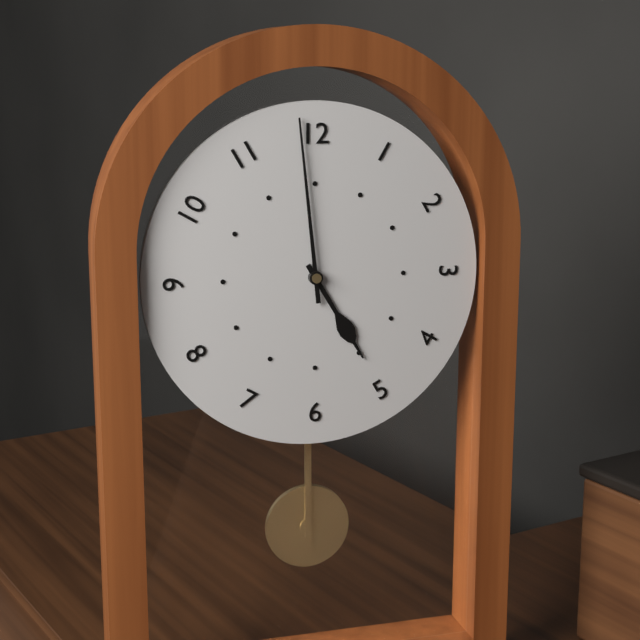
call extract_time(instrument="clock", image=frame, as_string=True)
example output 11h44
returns 4h59
